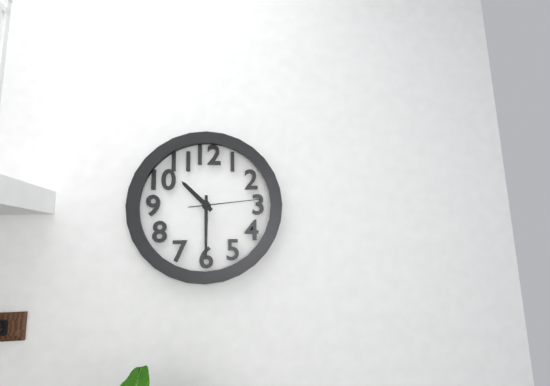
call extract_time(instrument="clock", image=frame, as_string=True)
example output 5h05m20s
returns 10h30m14s
